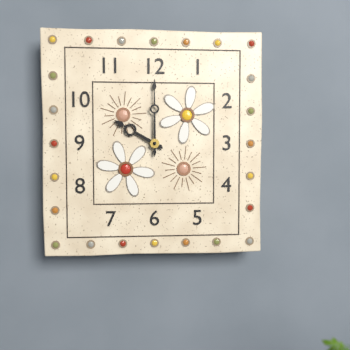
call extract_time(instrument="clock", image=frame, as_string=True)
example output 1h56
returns 10h00
